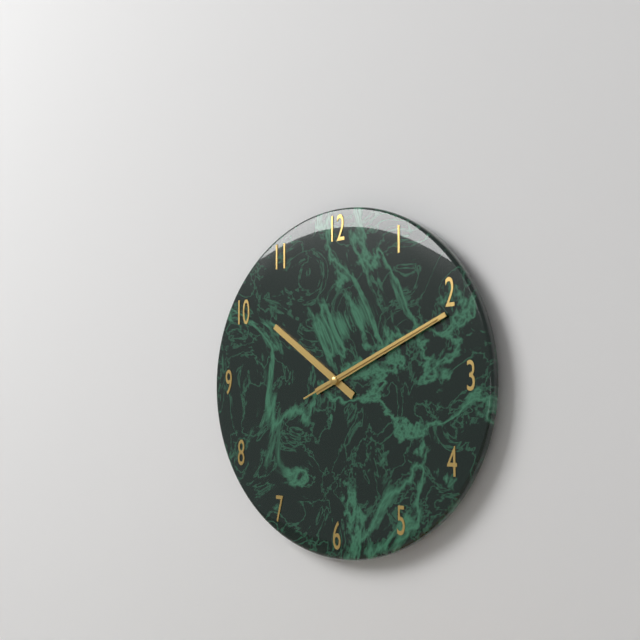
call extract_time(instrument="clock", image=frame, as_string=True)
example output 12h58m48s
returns 10h11m11s
